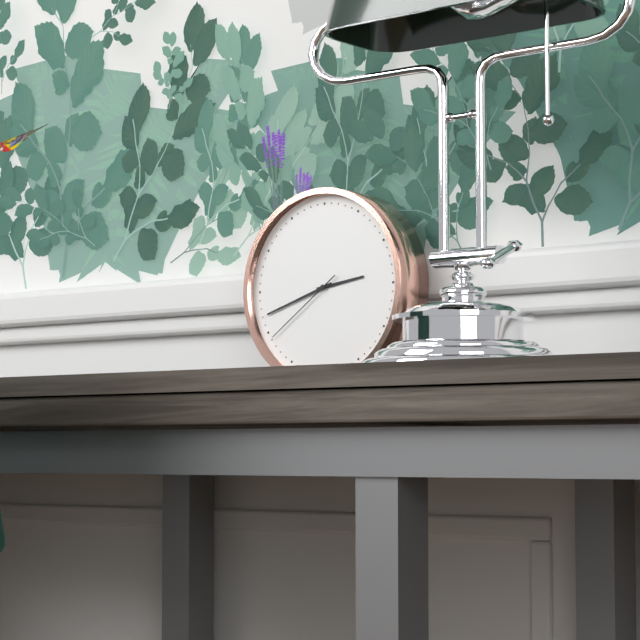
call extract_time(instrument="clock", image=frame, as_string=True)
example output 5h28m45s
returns 2h42m39s
